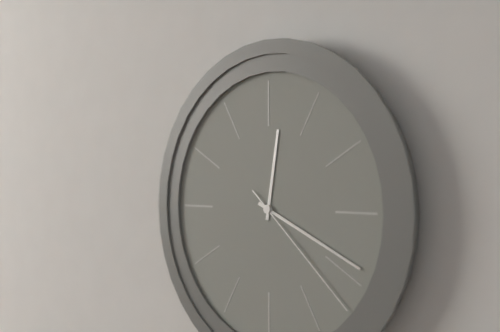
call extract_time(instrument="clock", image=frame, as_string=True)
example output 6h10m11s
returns 12h19m22s
